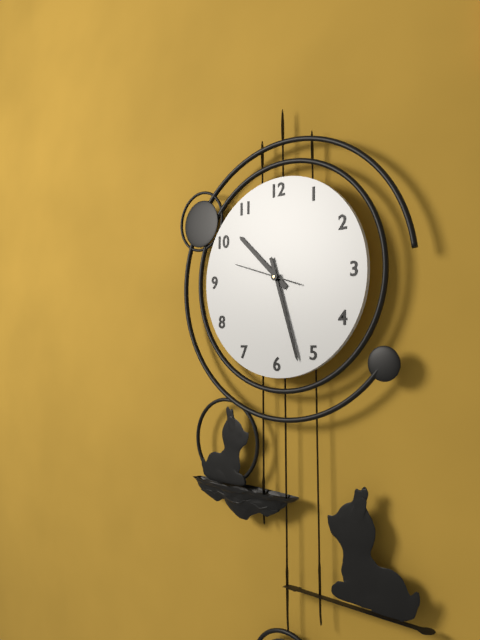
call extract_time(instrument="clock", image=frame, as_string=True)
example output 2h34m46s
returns 10h27m48s
